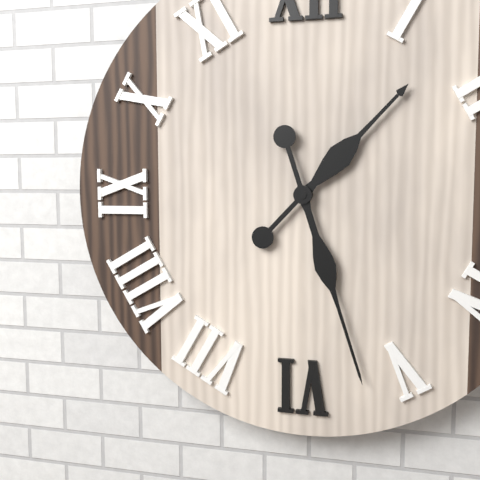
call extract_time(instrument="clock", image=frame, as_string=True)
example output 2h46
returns 1h27
